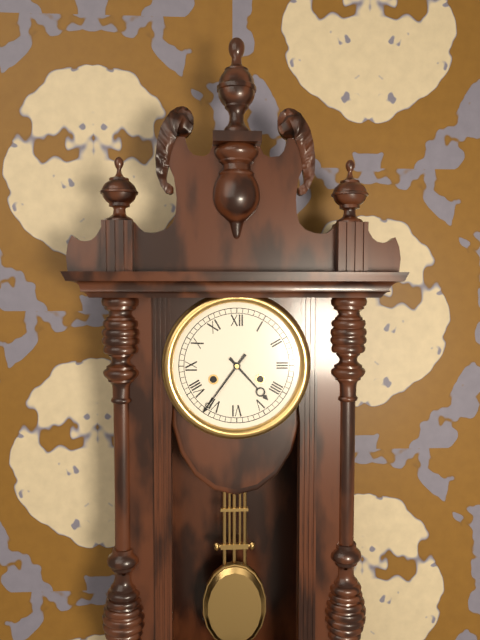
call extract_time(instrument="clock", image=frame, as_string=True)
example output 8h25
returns 4h36
